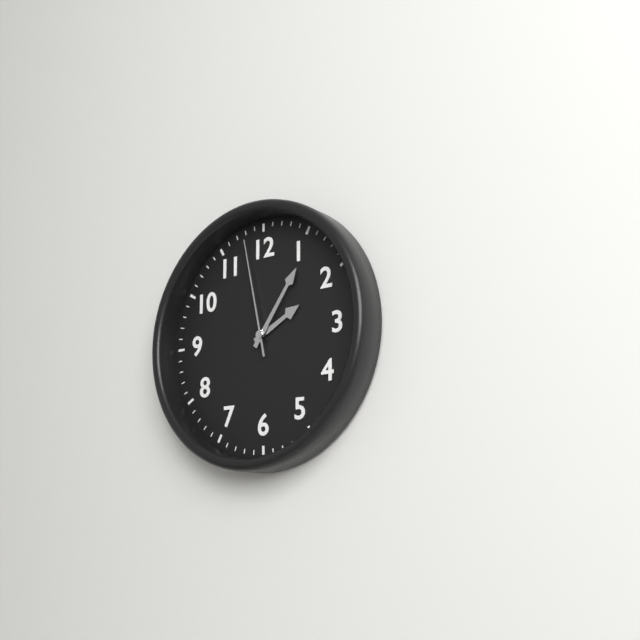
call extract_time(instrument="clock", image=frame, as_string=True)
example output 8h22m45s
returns 2h06m58s
